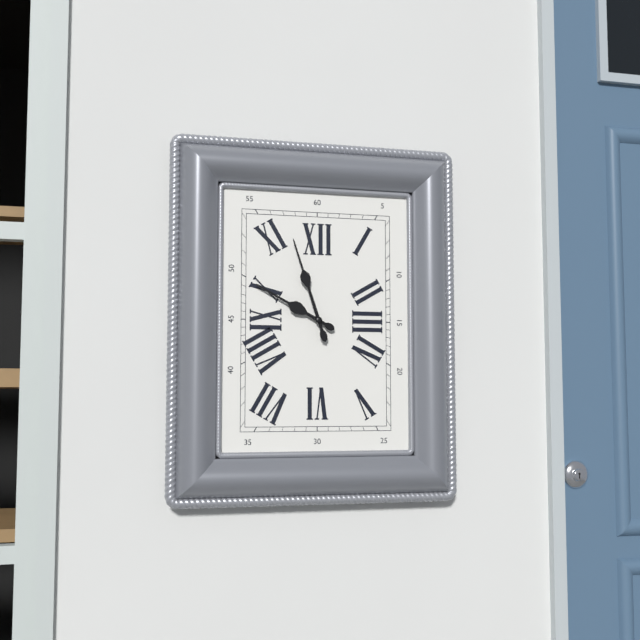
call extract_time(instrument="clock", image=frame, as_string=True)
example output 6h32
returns 9h57
